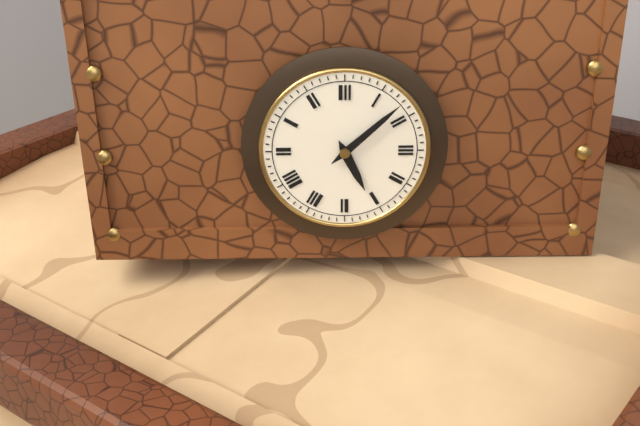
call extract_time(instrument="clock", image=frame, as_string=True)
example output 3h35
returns 5h08
